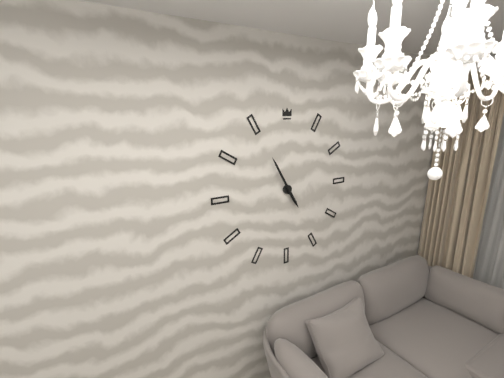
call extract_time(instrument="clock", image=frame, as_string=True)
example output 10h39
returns 4h55
